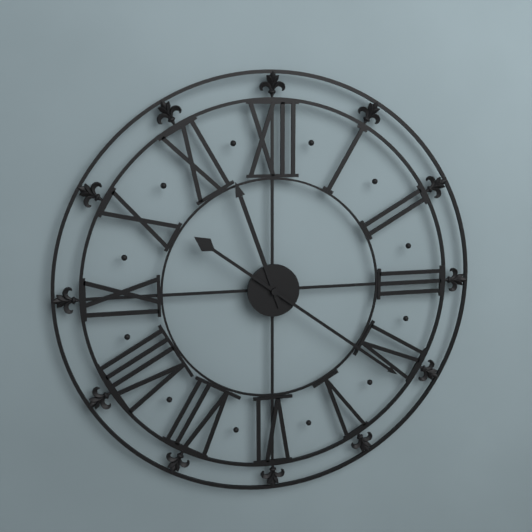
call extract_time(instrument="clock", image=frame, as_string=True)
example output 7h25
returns 11h21
